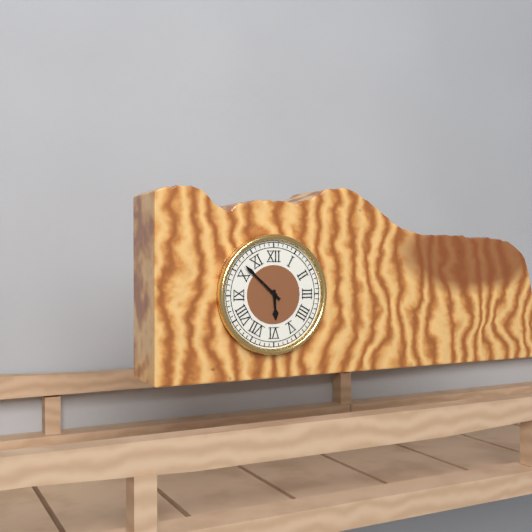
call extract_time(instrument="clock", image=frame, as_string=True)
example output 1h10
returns 5h52
